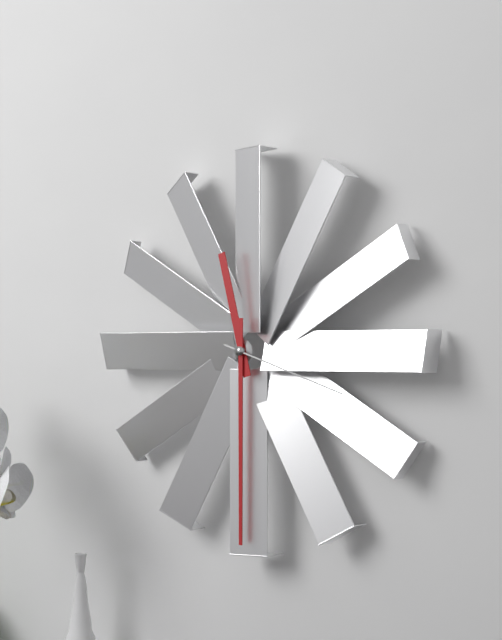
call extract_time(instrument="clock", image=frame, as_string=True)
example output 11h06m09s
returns 11h30m18s
